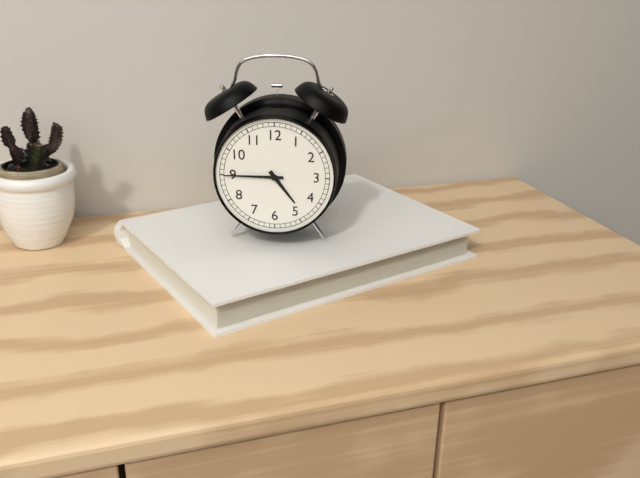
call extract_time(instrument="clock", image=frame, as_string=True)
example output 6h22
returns 4h45
